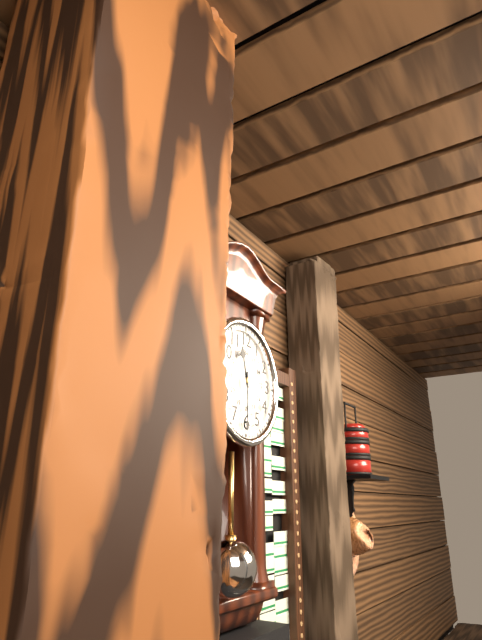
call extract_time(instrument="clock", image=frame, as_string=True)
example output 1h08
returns 11h30
